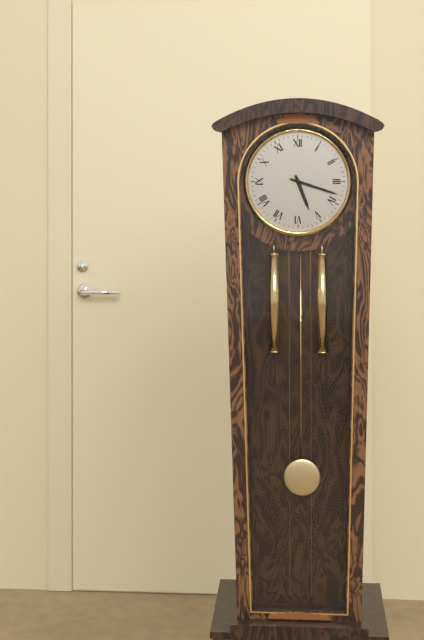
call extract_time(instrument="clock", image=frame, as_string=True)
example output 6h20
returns 5h18
